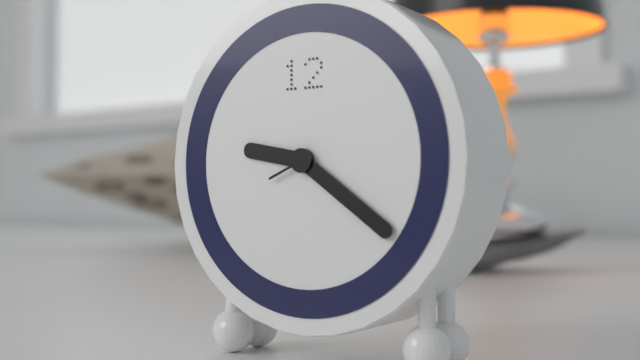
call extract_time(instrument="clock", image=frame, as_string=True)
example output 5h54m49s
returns 9h21m41s
